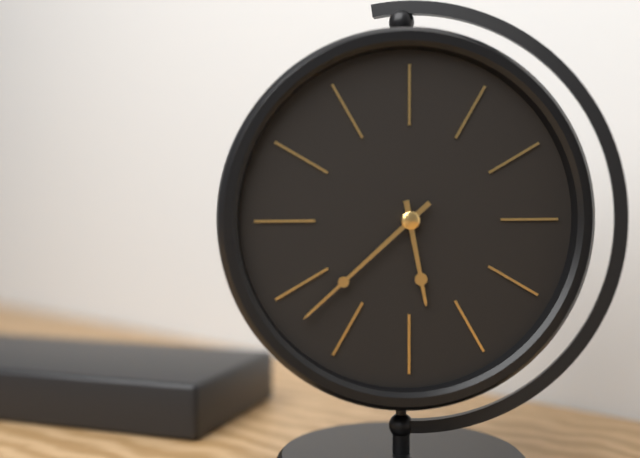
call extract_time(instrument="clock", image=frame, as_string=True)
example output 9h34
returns 5h38
